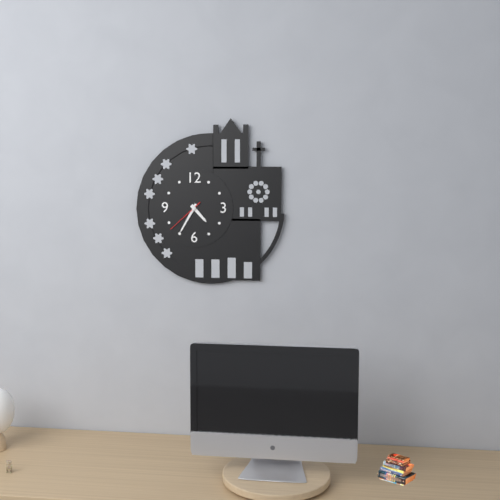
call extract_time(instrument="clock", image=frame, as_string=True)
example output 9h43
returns 4h35
